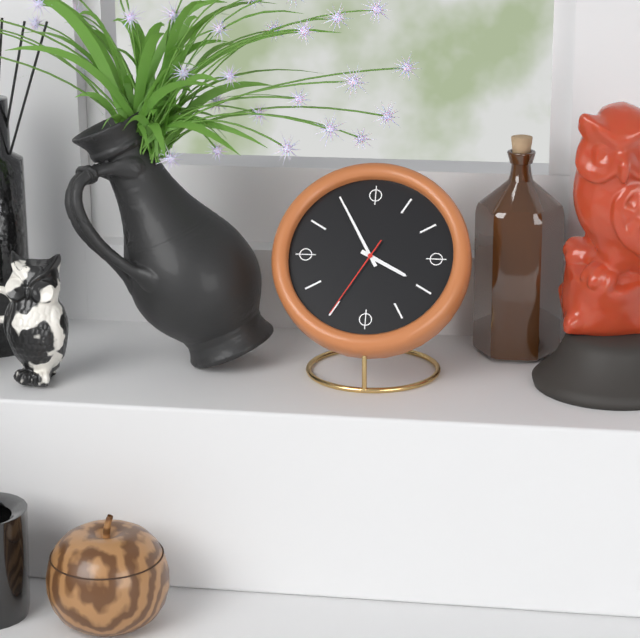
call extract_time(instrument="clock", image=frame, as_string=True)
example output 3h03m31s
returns 3h55m35s
